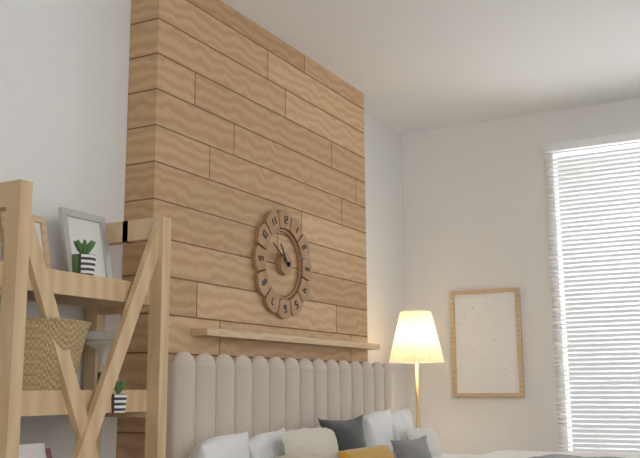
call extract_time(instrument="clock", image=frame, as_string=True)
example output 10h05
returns 10h50
